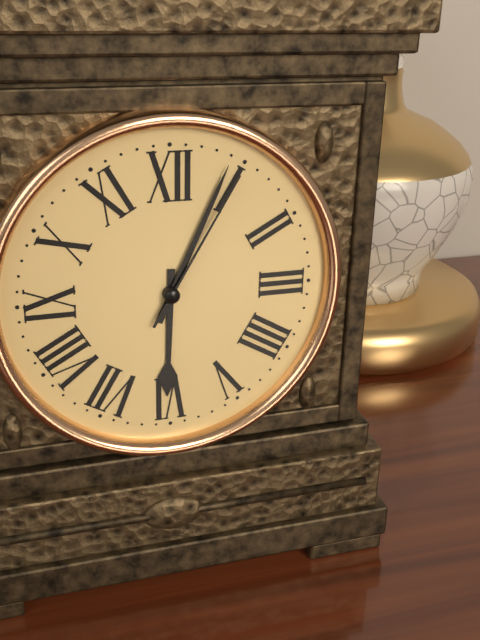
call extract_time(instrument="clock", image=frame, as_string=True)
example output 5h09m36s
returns 6h04m05s
